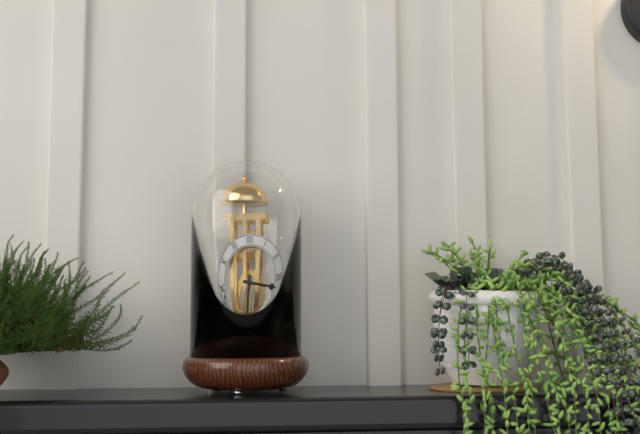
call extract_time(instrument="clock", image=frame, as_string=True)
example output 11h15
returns 6h17
